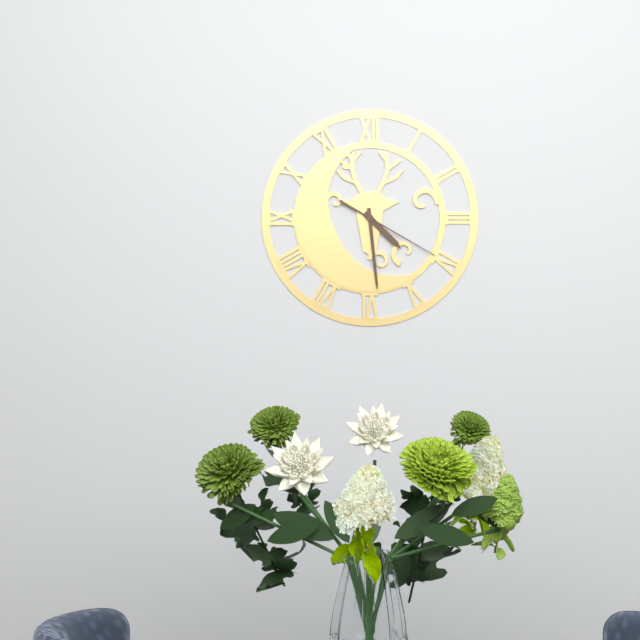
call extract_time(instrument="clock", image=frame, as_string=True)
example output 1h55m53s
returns 4h29m20s
